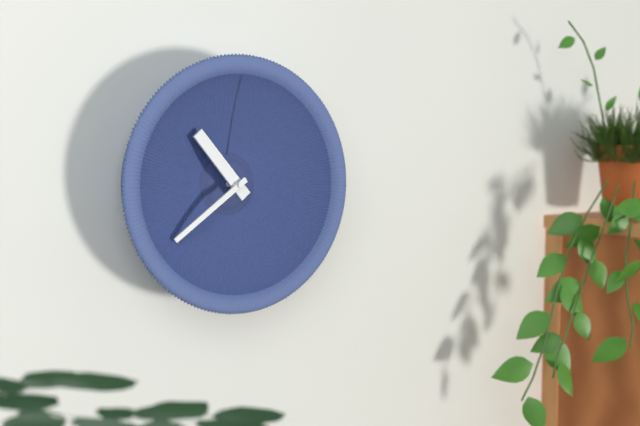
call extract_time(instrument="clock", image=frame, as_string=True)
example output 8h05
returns 10h39
